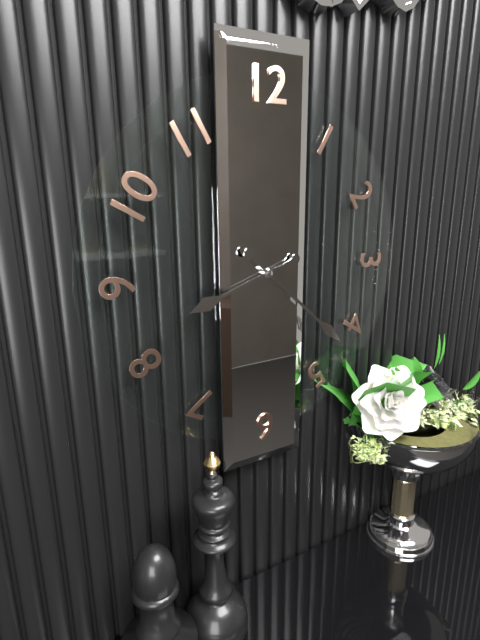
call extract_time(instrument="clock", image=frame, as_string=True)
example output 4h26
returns 8h22
